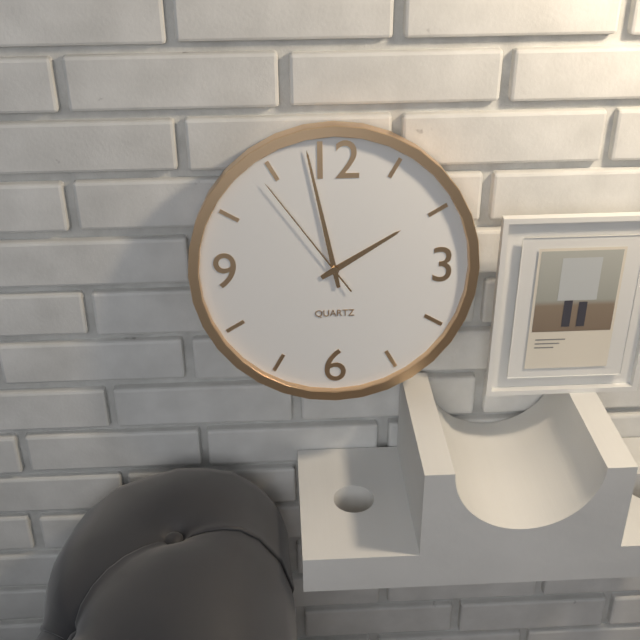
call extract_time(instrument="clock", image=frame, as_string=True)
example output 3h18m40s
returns 1h58m54s
